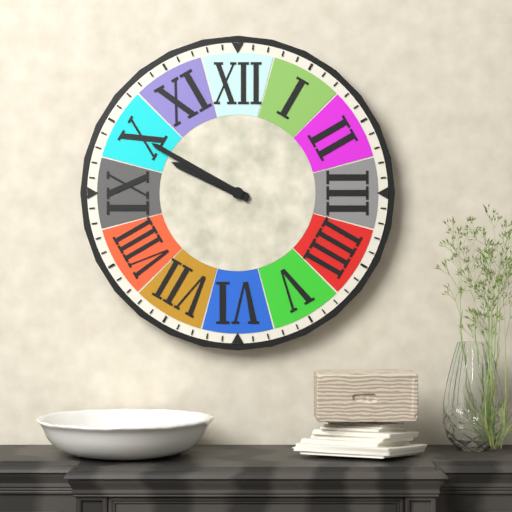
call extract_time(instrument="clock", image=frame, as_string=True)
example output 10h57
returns 9h50
